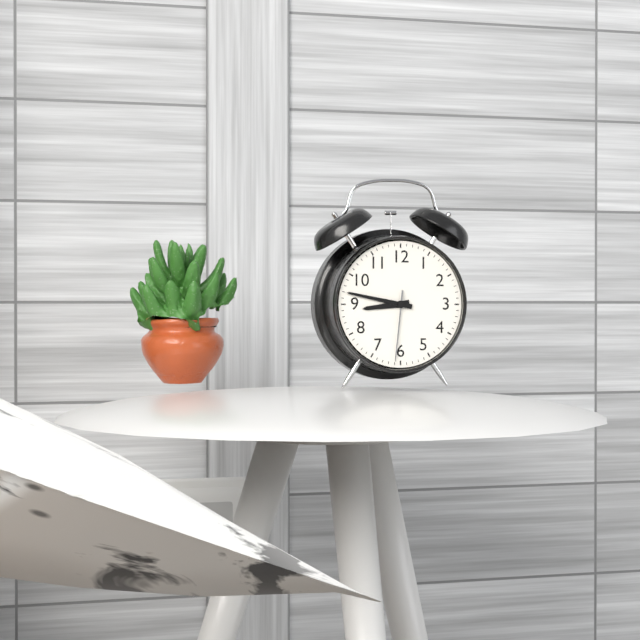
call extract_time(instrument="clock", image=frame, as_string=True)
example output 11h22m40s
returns 8h47m31s
